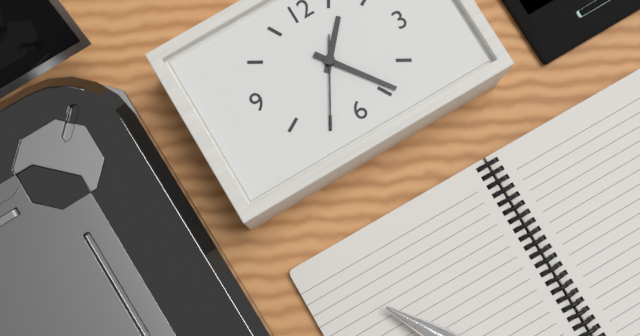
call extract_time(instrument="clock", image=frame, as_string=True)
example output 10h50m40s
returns 1h24m35s
